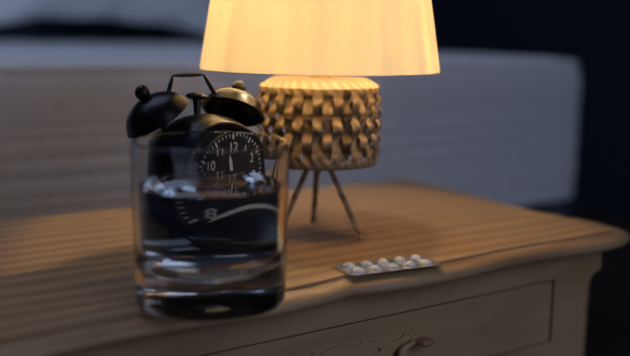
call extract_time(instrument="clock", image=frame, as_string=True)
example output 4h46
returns 11h39
